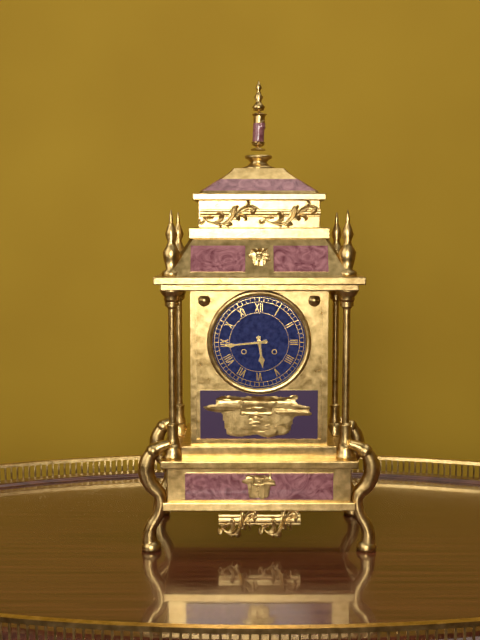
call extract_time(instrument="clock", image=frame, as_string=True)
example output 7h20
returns 5h44
